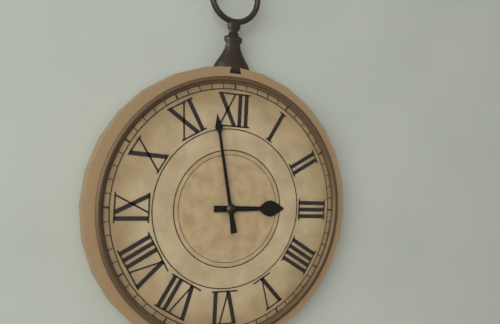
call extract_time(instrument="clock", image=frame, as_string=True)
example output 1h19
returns 2h58
